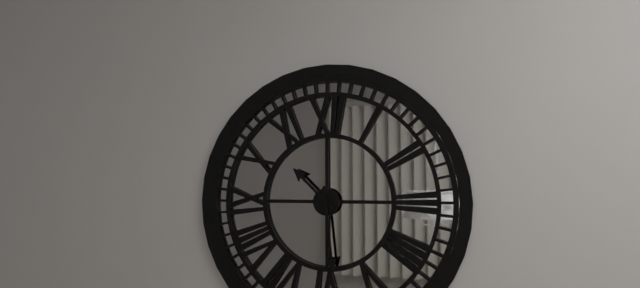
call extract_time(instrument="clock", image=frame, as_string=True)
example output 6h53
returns 10h29
